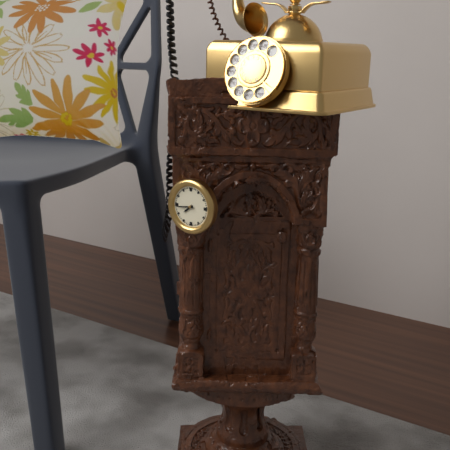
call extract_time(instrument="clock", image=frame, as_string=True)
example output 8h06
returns 7h44
